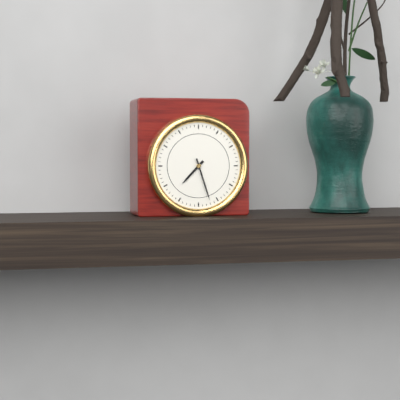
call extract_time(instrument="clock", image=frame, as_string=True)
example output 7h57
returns 7h27
